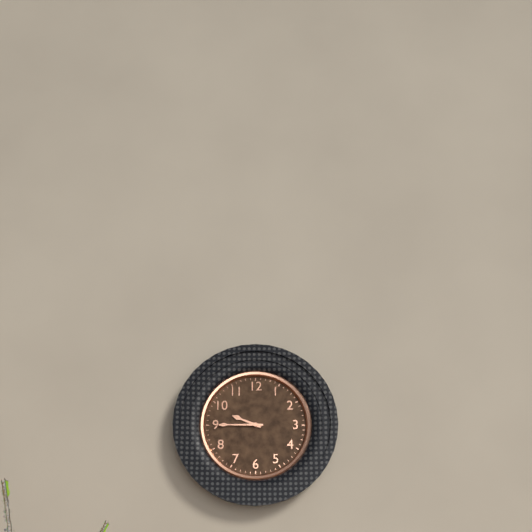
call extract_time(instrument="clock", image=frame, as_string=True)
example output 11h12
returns 9h45
